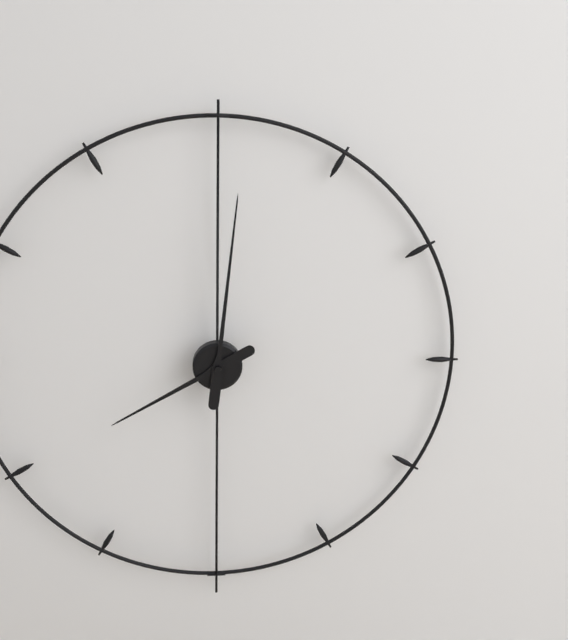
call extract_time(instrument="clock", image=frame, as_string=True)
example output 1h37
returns 8h01
